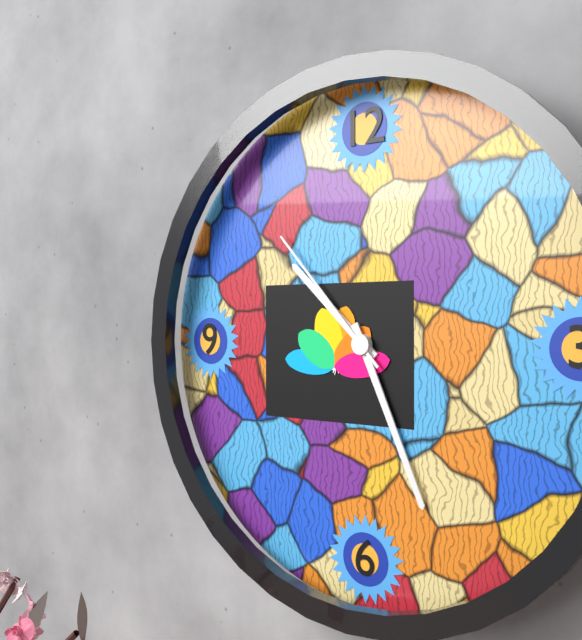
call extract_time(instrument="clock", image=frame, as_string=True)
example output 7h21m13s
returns 10h26m53s
